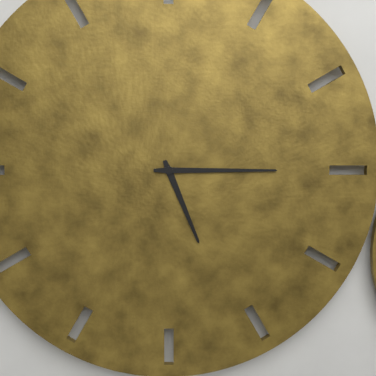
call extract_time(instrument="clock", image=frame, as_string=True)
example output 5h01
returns 5h15
